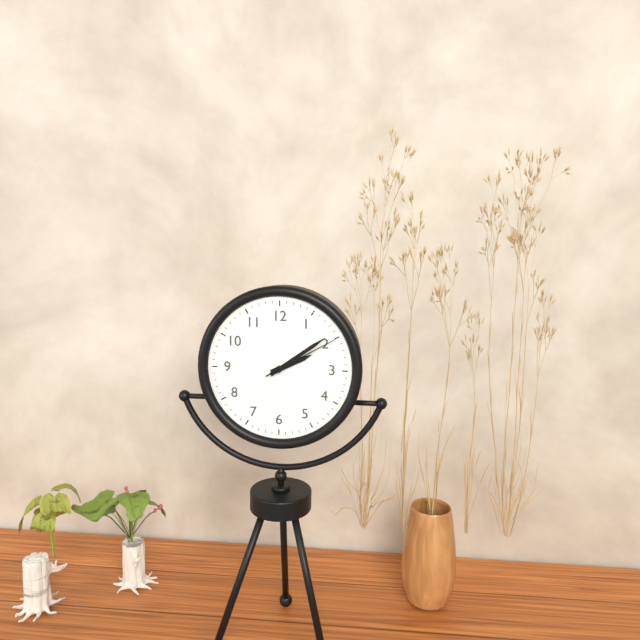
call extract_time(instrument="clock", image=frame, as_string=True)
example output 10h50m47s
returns 2h09m10s
